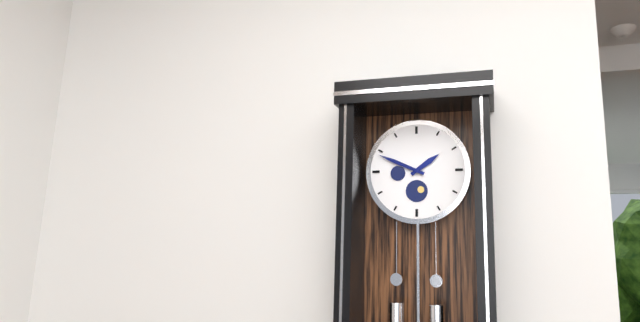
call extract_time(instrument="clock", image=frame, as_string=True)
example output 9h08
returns 1h49
